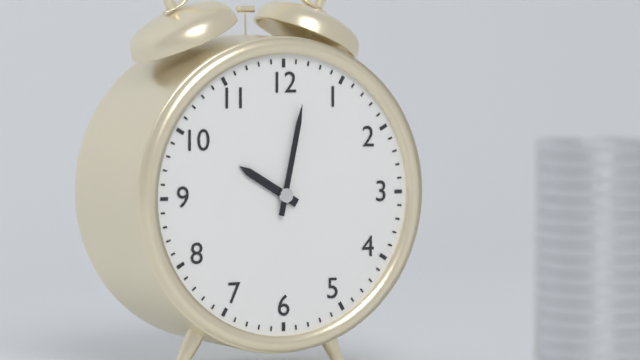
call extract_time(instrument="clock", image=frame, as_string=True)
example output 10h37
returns 10h02
